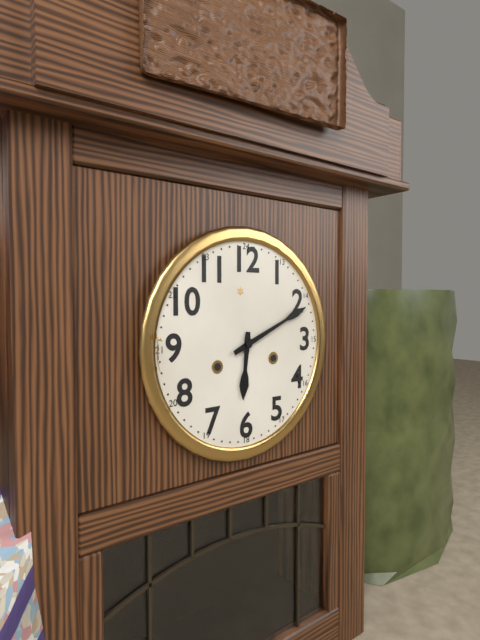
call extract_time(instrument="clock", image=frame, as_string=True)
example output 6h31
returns 6h11
